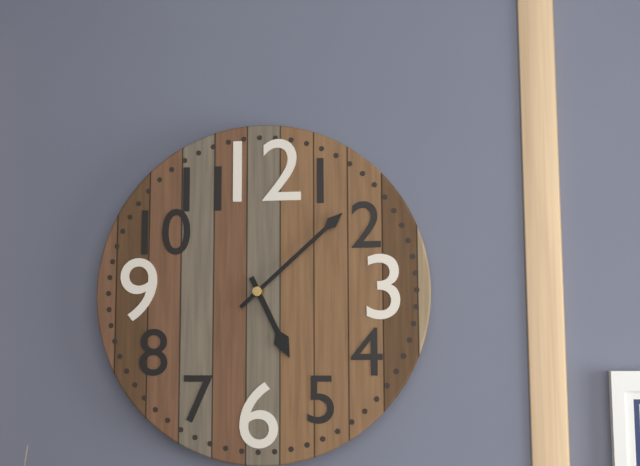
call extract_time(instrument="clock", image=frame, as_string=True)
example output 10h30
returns 5h08
